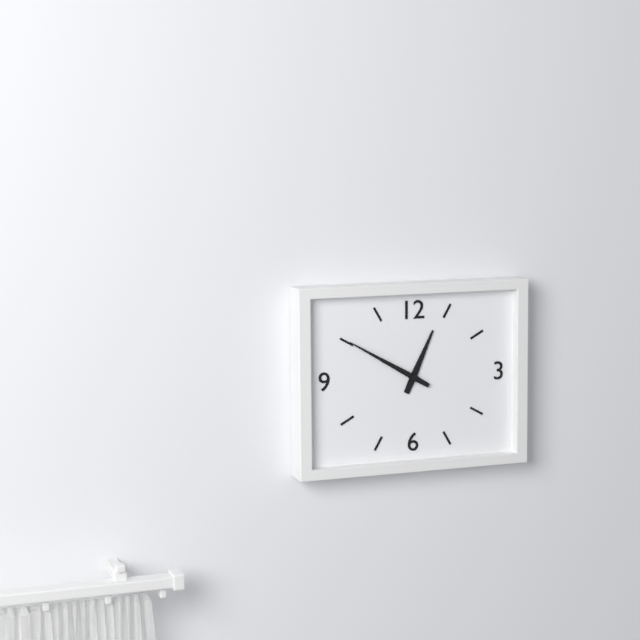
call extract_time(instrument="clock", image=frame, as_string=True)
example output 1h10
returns 12h50
